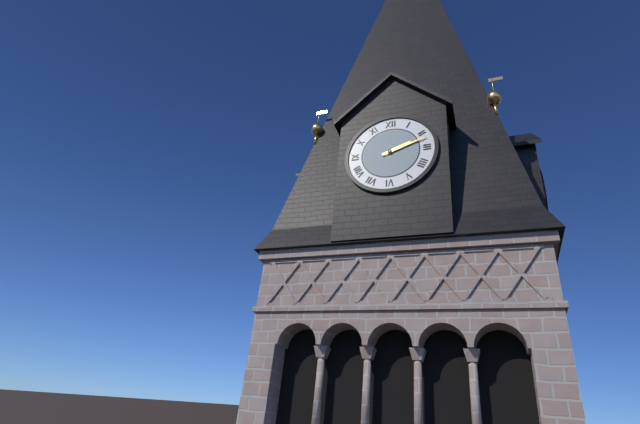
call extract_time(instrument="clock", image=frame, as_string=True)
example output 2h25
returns 2h12
